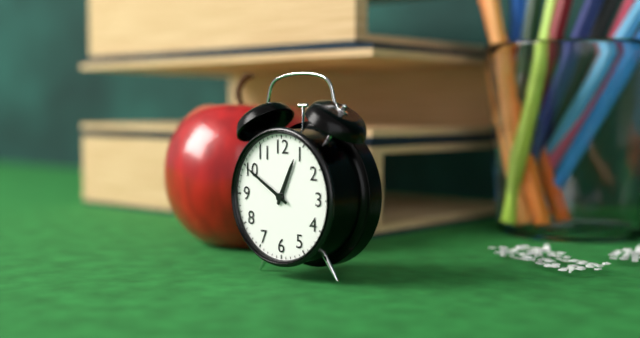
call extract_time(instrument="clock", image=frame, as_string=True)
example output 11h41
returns 12h50
